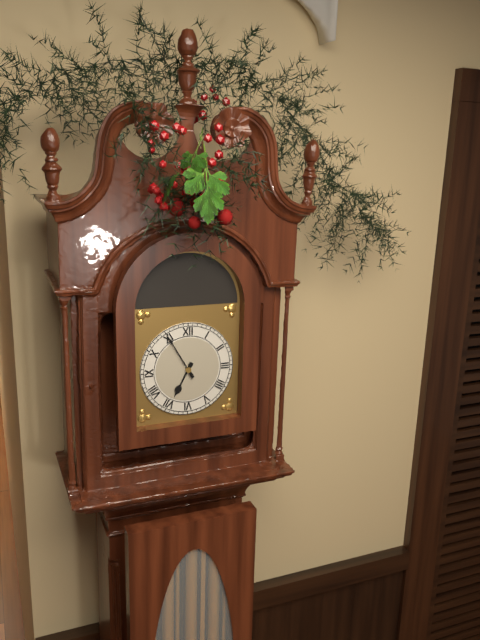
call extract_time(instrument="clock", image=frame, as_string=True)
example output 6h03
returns 6h55
